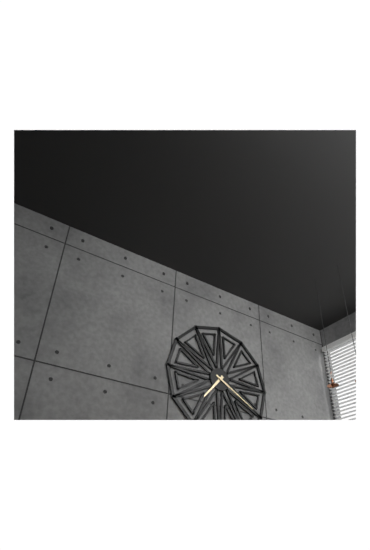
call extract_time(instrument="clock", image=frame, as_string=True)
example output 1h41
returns 7h20
